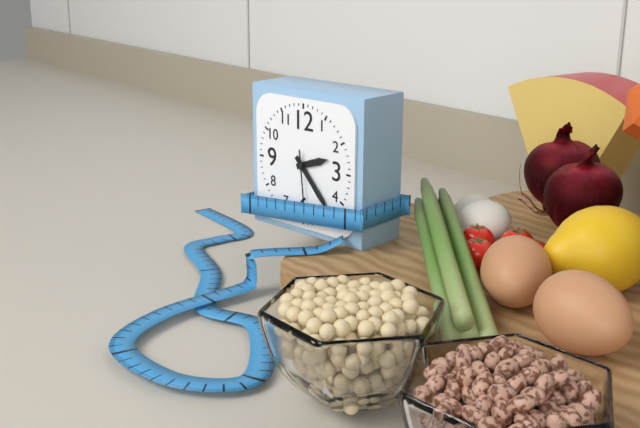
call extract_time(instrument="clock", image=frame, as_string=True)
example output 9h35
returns 2h23
